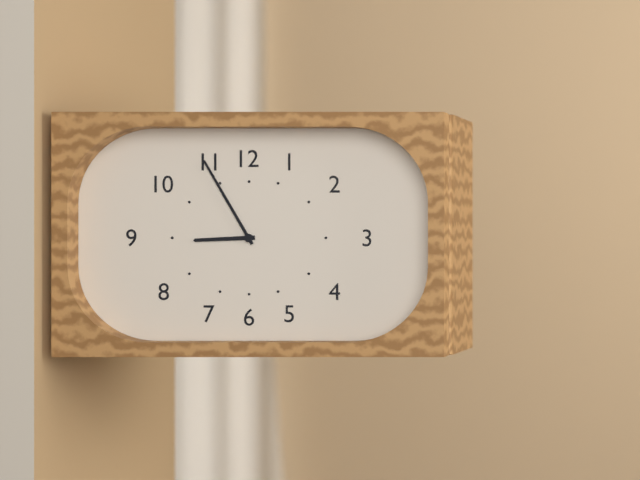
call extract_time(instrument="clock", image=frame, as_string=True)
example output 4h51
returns 8h55
